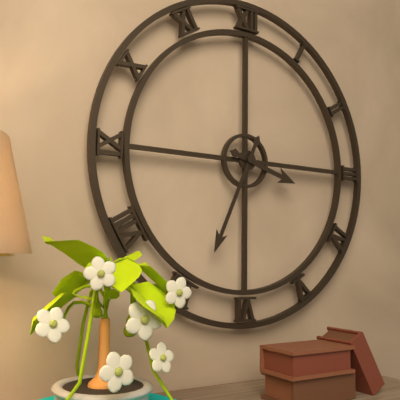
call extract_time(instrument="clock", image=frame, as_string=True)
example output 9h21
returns 3h34
